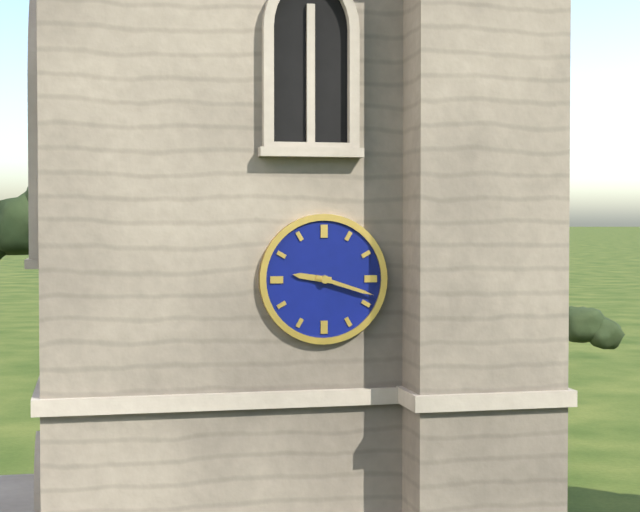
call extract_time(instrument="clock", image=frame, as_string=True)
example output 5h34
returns 9h18
